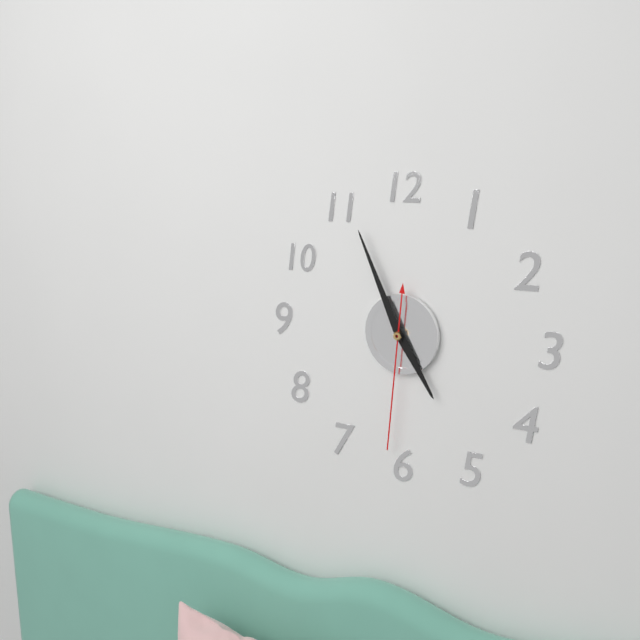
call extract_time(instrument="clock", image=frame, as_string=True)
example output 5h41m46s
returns 4h56m31s
